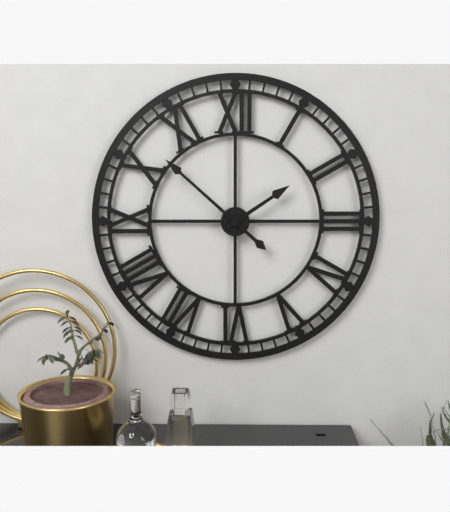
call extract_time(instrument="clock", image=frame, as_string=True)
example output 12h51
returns 1h52
